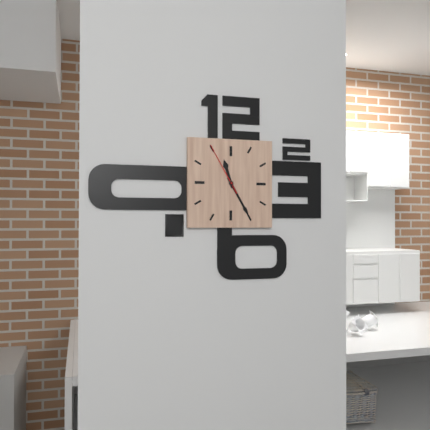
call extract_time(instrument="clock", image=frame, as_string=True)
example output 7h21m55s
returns 11h25m55s
